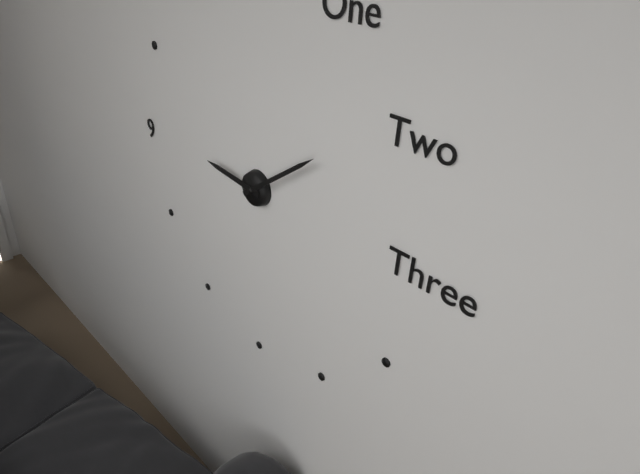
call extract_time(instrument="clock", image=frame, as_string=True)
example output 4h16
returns 9h09
